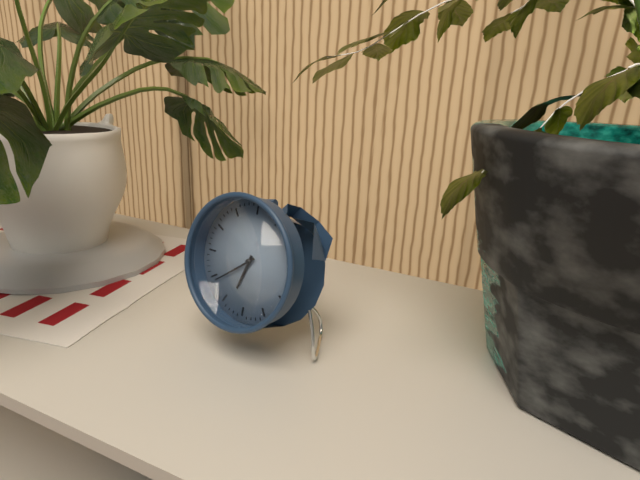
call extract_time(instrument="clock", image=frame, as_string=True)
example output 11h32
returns 6h39
